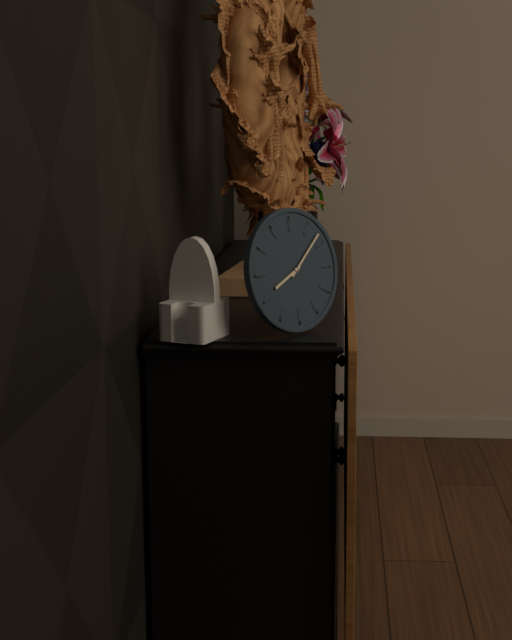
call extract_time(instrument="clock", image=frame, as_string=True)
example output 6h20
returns 8h08
